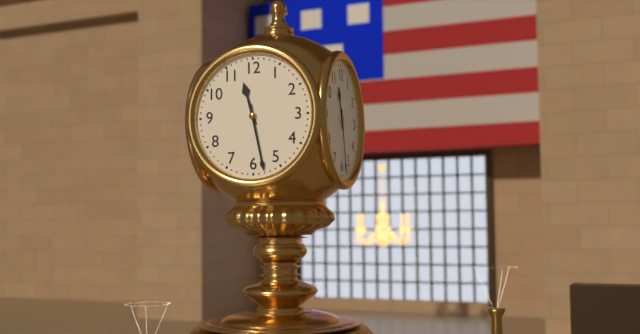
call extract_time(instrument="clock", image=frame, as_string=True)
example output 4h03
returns 11h28
